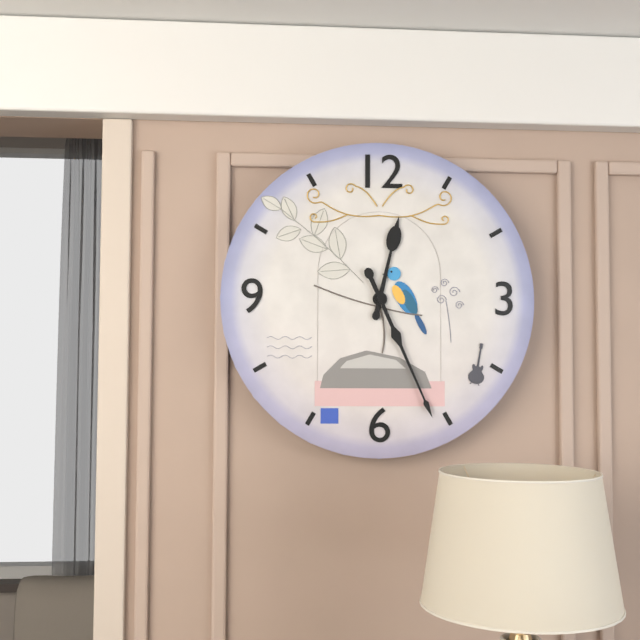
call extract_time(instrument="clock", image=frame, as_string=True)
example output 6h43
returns 12h26
